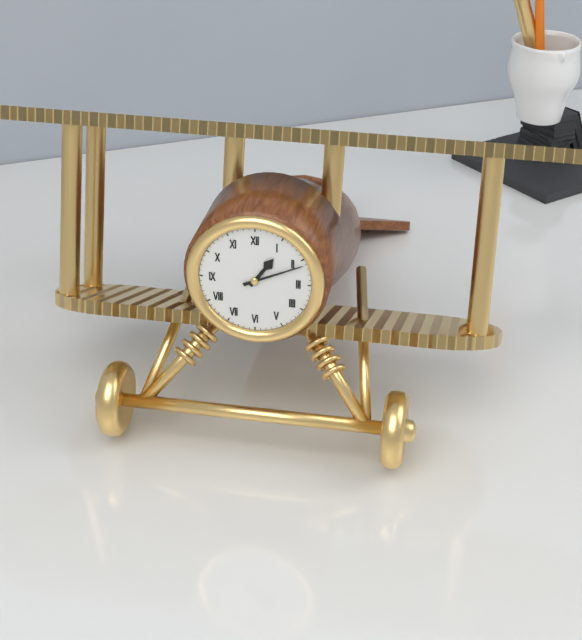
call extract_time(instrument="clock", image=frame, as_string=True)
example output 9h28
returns 1h11
